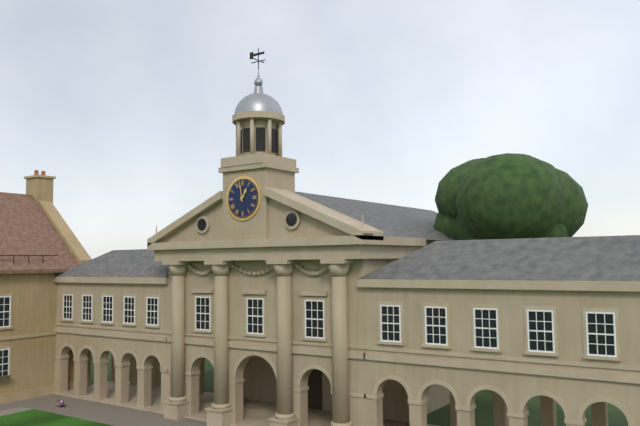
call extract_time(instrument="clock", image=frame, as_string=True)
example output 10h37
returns 12h58
